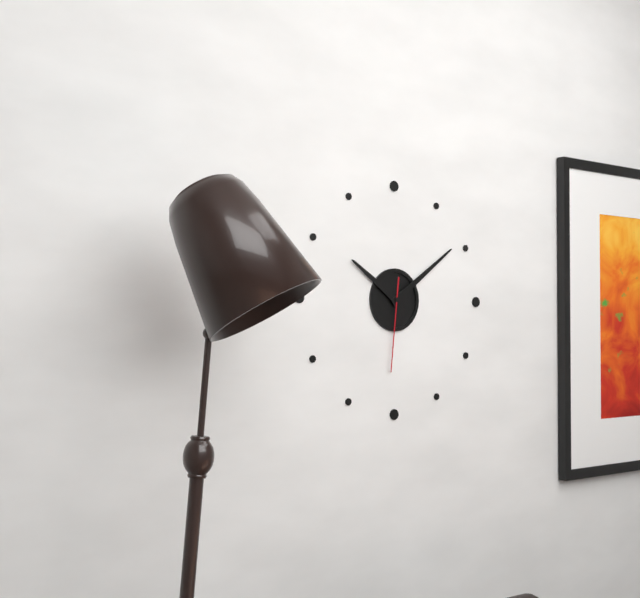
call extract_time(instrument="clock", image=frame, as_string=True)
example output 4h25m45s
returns 10h09m31s
